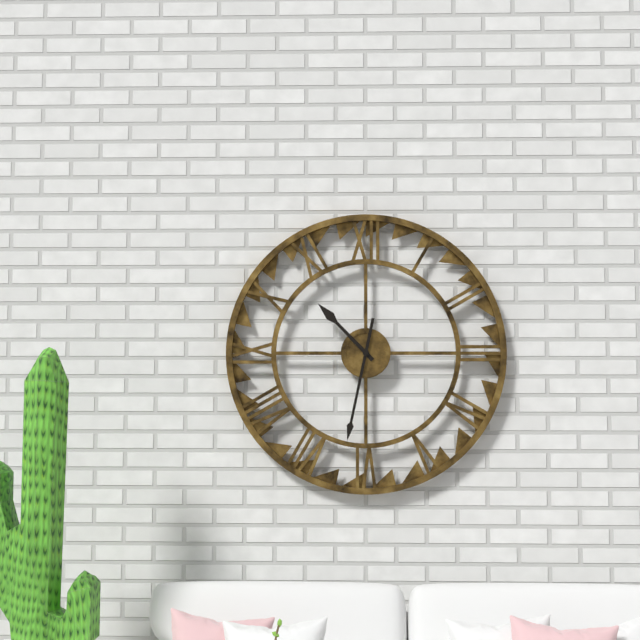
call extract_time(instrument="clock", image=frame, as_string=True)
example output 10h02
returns 10h32
